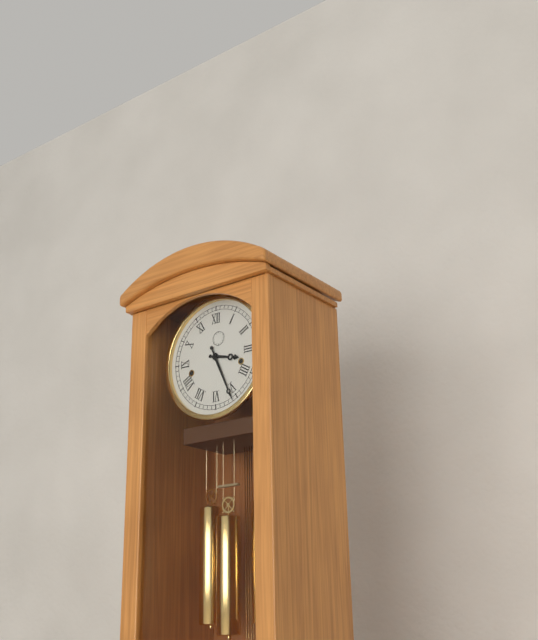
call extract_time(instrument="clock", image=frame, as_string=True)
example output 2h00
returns 3h26
